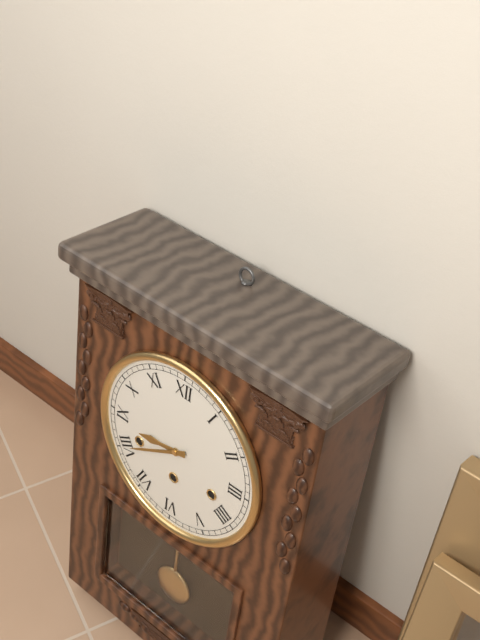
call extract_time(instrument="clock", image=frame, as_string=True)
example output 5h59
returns 8h40
